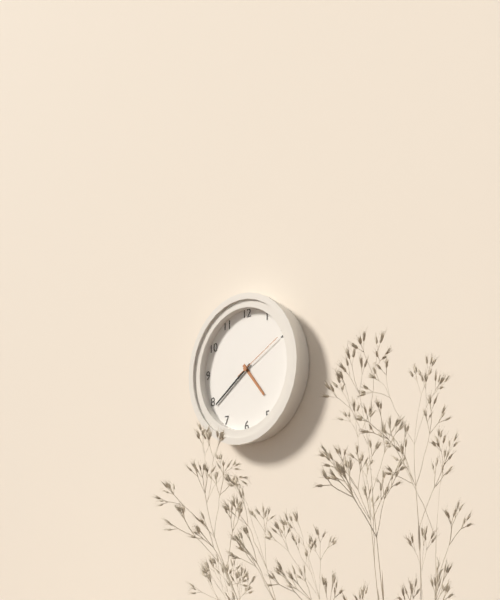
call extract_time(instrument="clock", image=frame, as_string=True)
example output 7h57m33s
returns 4h39m10s
